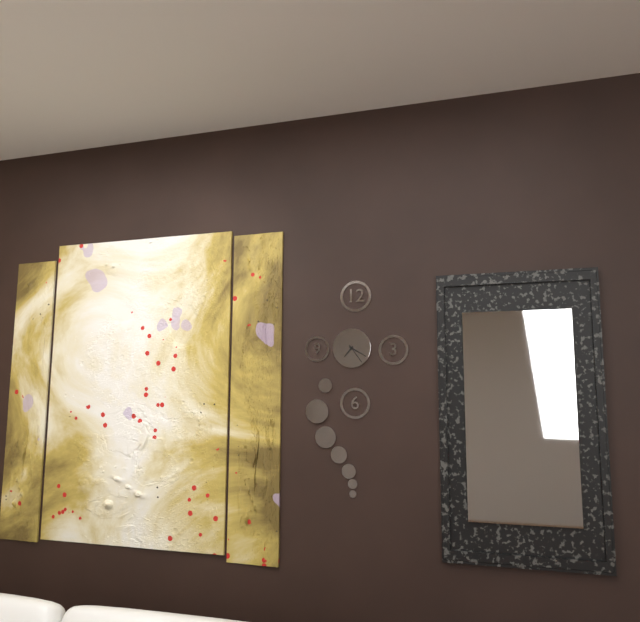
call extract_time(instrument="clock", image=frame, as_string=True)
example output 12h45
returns 7h20
